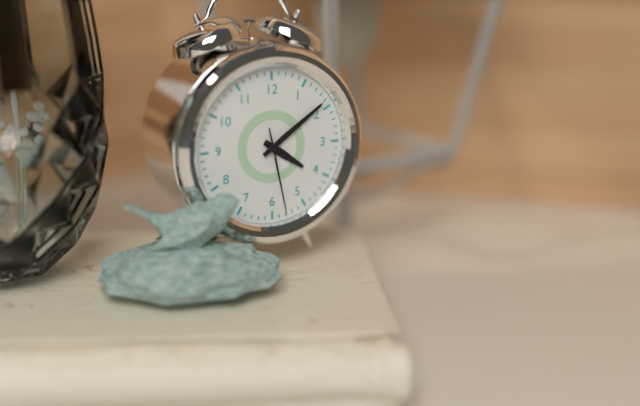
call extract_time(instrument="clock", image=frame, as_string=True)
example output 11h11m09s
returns 4h09m28s
